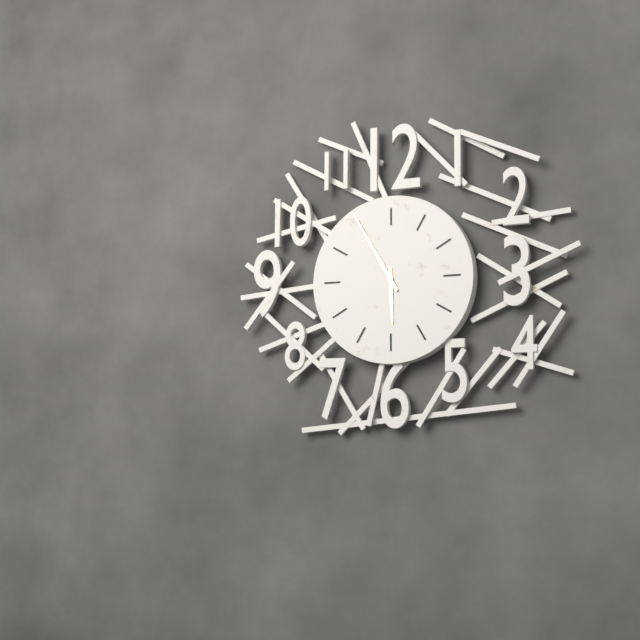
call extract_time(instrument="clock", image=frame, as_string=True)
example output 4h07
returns 5h55
